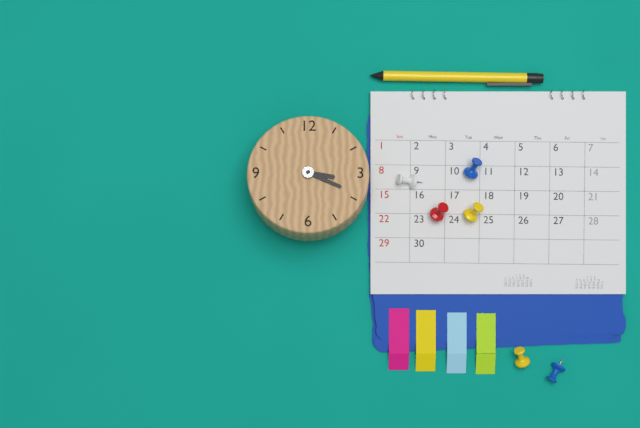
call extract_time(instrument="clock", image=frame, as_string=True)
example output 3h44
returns 3h19
